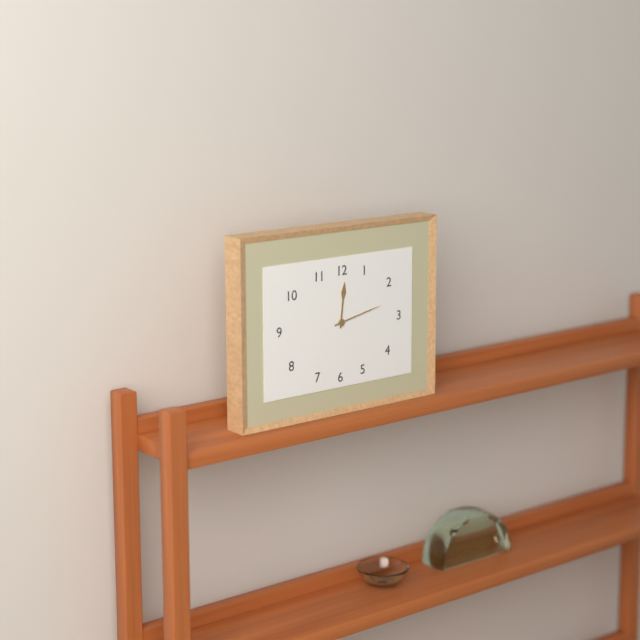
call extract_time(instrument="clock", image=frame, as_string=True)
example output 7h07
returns 12h13
